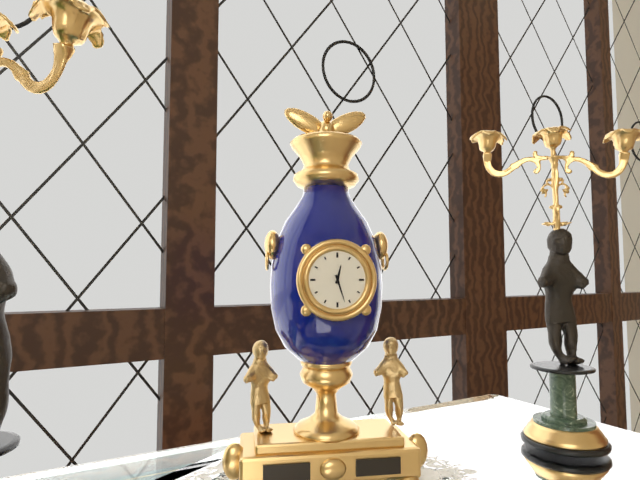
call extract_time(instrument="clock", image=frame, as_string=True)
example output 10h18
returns 12h27
